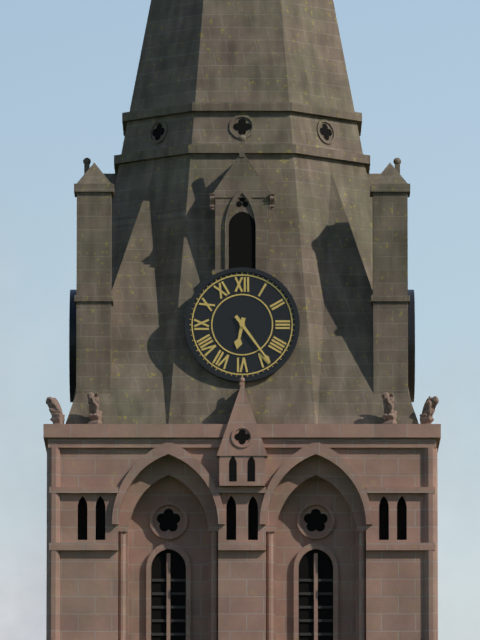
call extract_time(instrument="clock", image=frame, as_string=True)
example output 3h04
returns 6h24
